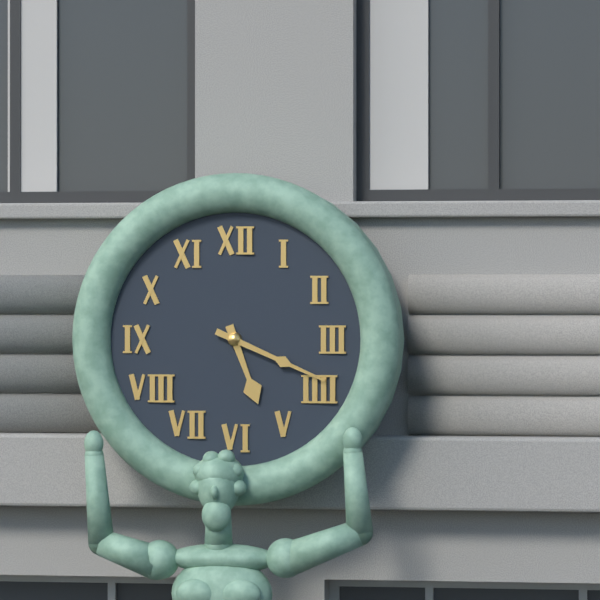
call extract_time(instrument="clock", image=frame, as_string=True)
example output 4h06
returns 5h19
